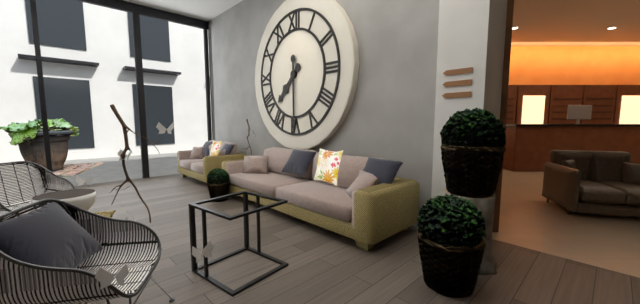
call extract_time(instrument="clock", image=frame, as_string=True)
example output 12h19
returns 7h30
